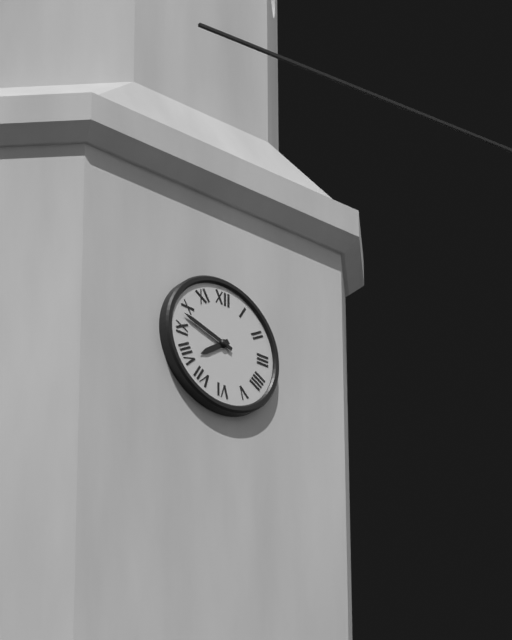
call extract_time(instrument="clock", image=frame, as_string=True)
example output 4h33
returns 7h48
